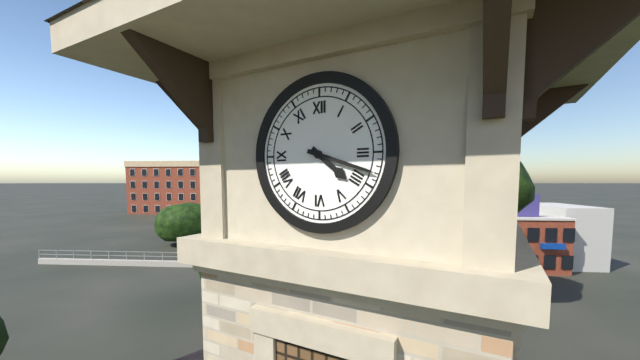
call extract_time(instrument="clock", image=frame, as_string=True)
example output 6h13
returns 4h18
